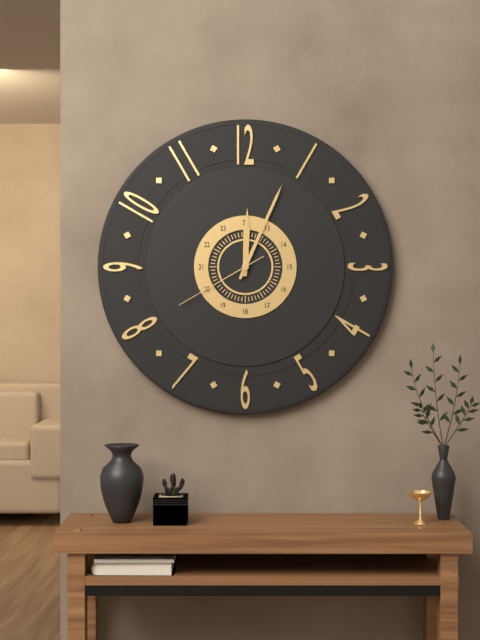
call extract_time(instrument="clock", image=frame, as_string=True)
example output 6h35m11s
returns 12h04m40s
